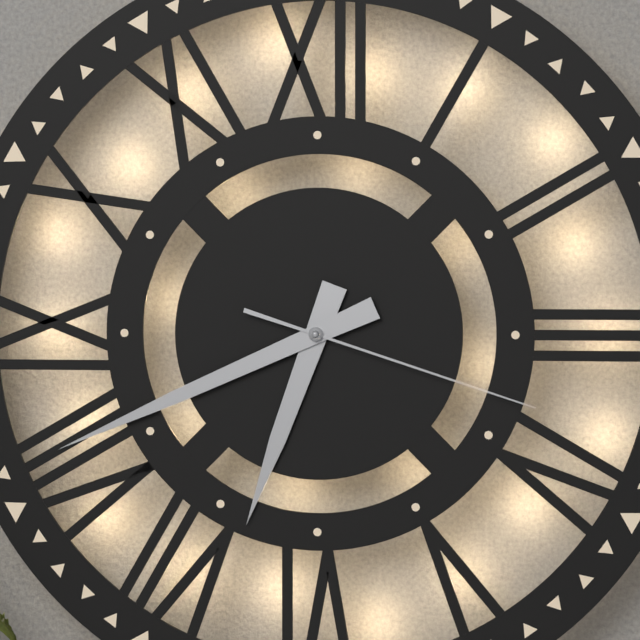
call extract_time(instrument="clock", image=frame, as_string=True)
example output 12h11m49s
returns 6h41m18s
